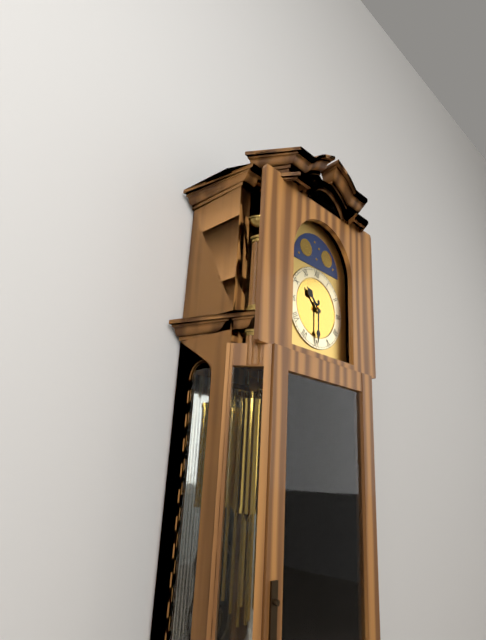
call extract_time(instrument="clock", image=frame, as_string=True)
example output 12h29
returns 10h30
